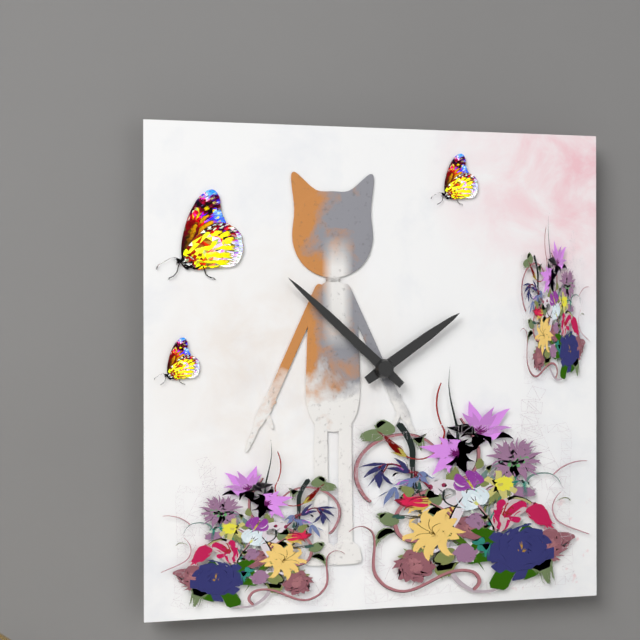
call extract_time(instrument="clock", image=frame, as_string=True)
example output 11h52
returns 1h52
